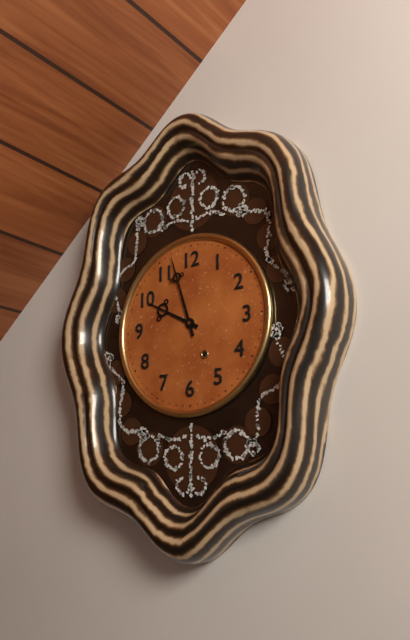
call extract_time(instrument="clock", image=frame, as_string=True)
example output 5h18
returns 9h57
